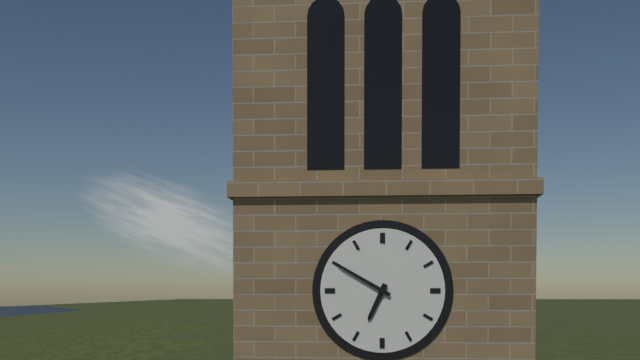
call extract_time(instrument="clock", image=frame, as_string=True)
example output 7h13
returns 6h50
